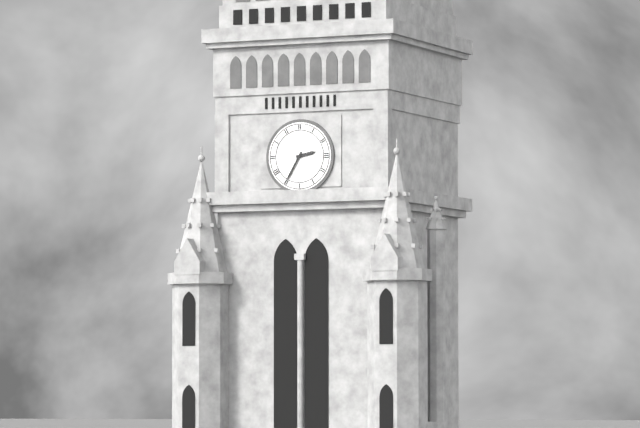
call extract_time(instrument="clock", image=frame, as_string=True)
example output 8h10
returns 2h35
